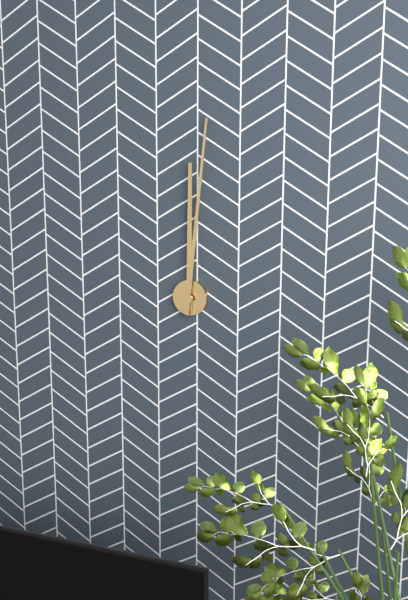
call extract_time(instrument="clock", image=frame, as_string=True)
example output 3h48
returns 12h01
